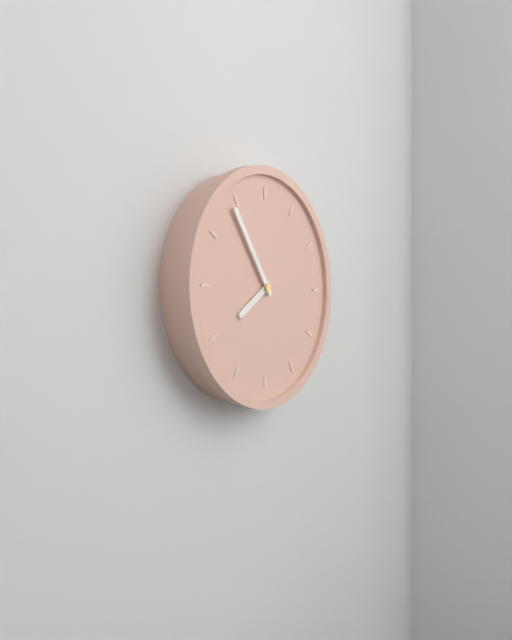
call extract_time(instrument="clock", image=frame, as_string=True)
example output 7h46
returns 7h54
